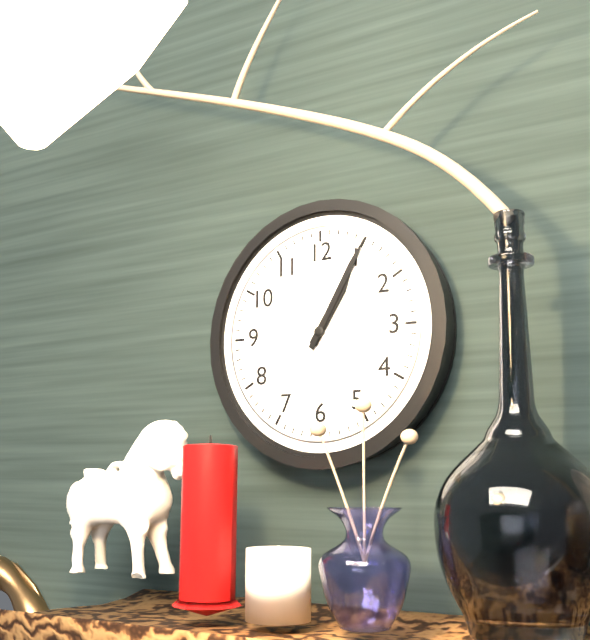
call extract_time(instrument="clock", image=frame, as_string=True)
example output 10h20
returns 1h05
